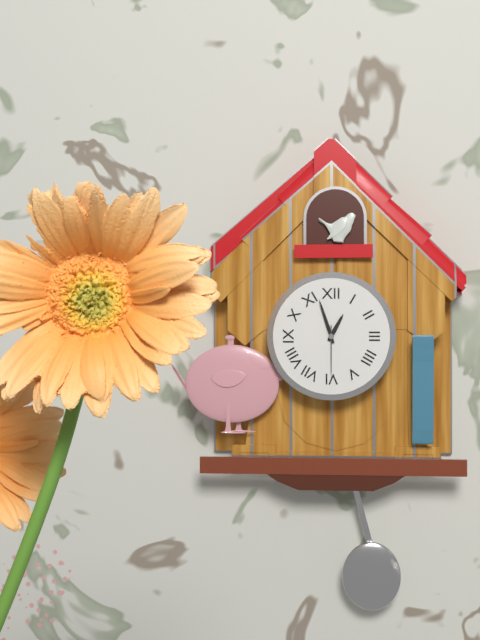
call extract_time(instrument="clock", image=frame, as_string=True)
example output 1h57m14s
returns 12h57m30s
